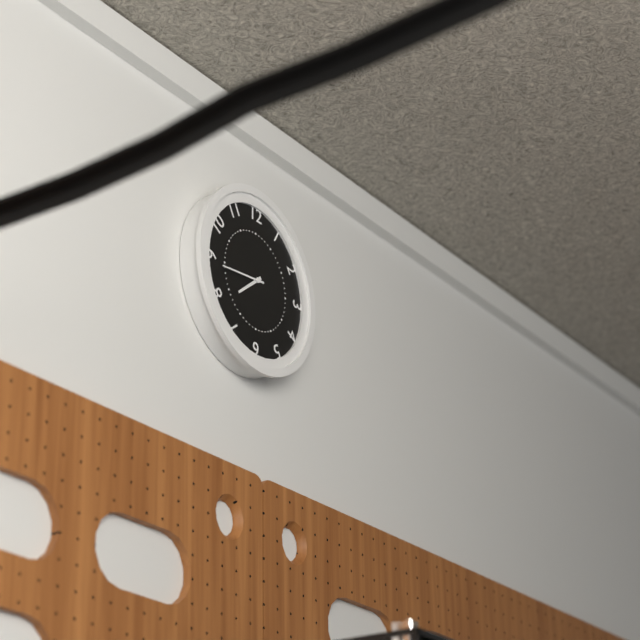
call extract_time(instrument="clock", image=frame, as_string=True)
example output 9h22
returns 7h44
